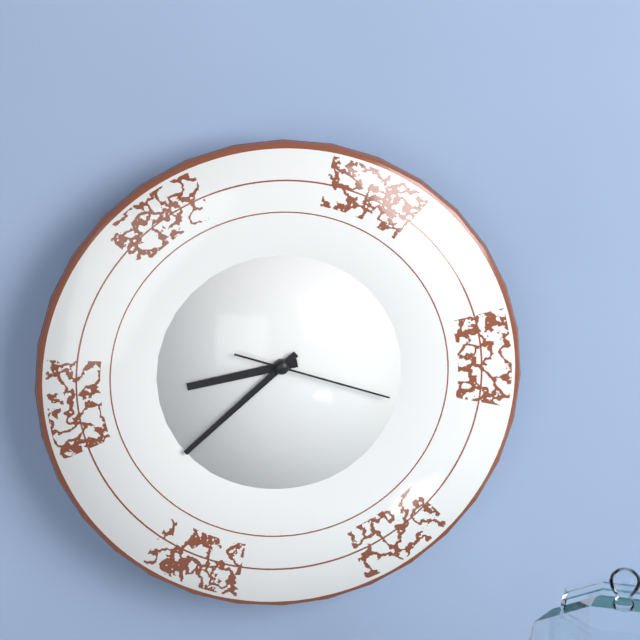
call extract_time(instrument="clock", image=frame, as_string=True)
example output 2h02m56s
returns 8h38m18s
